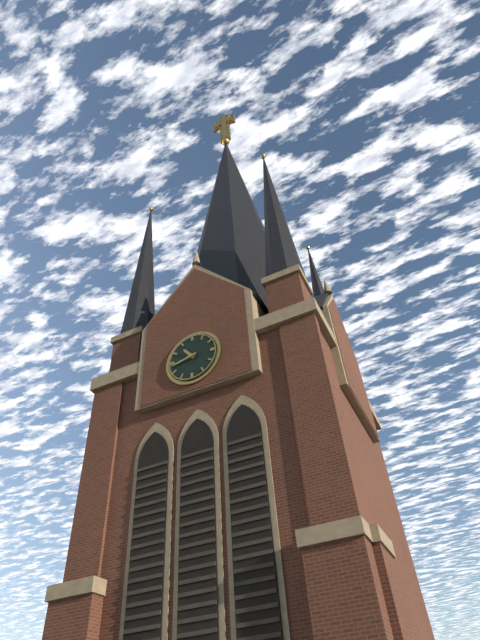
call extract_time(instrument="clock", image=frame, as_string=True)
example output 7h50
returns 10h43
